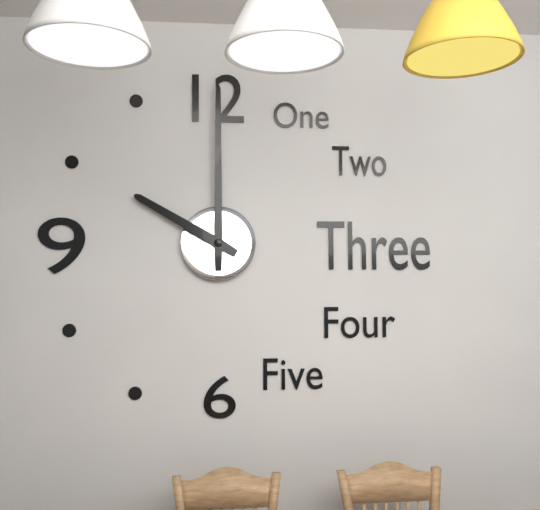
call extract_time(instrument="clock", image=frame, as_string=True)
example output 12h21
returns 10h00
